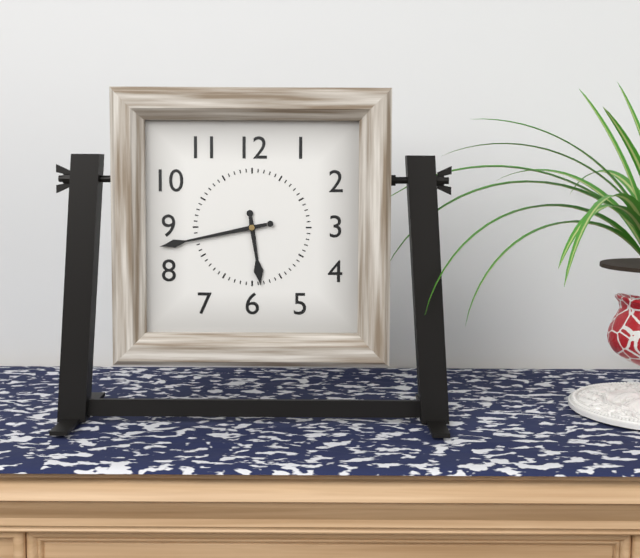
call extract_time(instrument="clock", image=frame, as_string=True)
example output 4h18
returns 5h43
